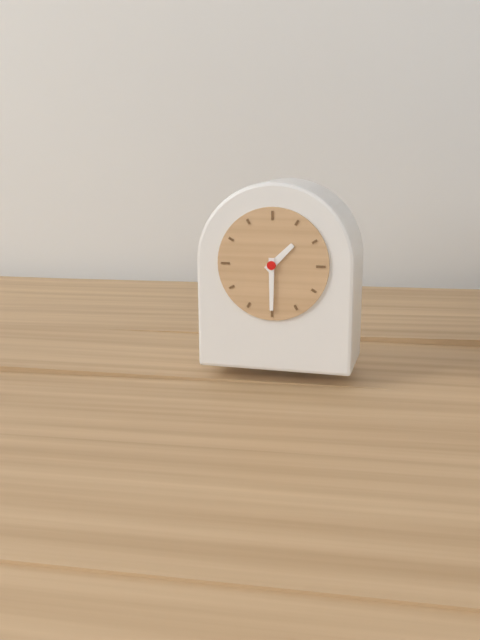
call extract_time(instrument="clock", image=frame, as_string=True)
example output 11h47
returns 1h30
